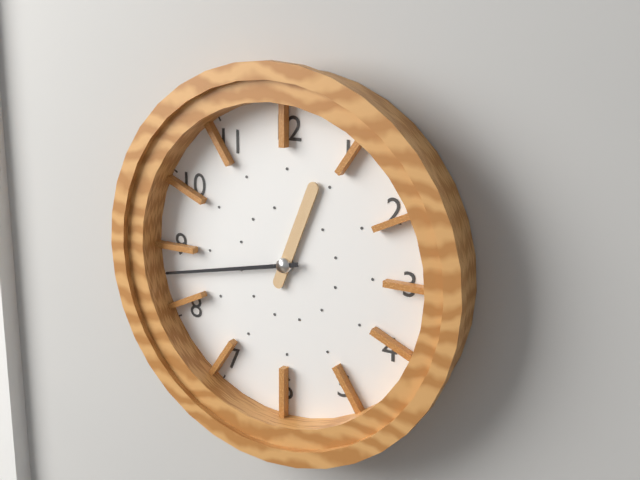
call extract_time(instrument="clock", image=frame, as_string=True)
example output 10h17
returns 12h43
